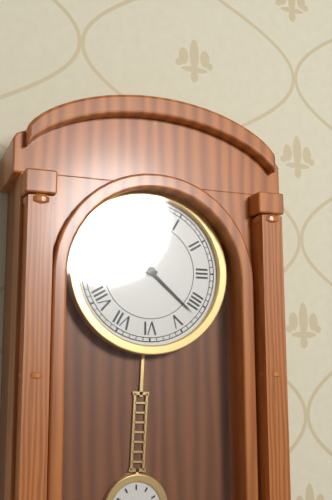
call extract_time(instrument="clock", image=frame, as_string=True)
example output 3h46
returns 9h22
